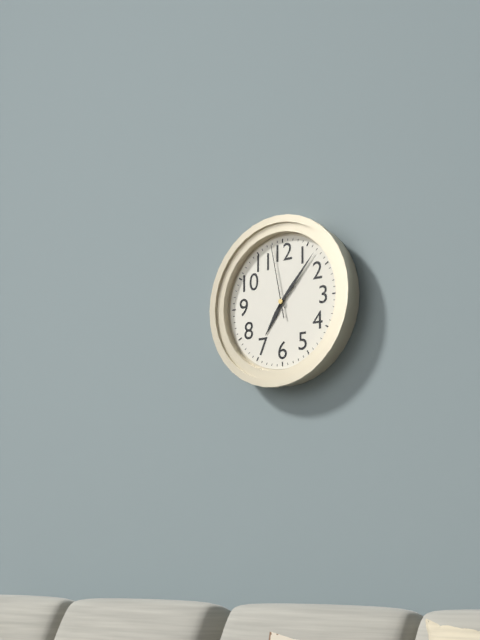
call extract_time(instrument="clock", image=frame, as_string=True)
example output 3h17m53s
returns 7h07m58s
